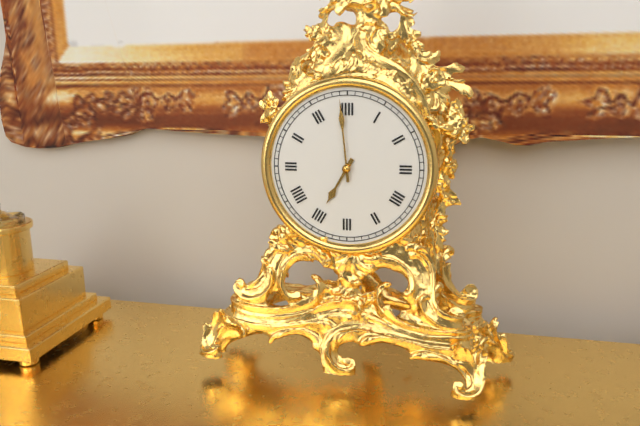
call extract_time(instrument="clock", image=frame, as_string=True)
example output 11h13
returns 6h59
